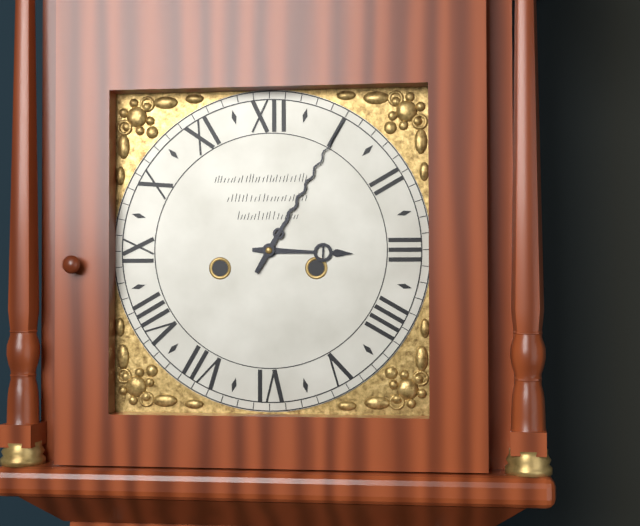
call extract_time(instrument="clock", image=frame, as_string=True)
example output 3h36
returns 3h05
